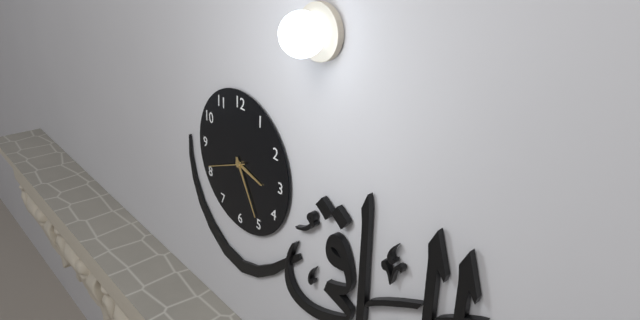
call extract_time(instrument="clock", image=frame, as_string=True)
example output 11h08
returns 3h25
